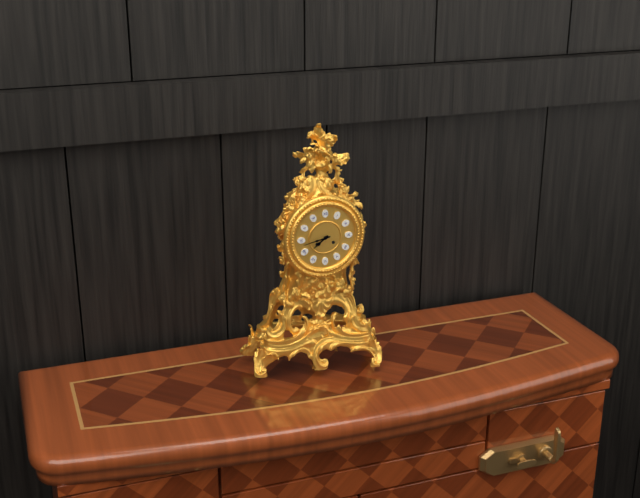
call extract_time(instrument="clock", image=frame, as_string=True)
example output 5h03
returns 7h43
